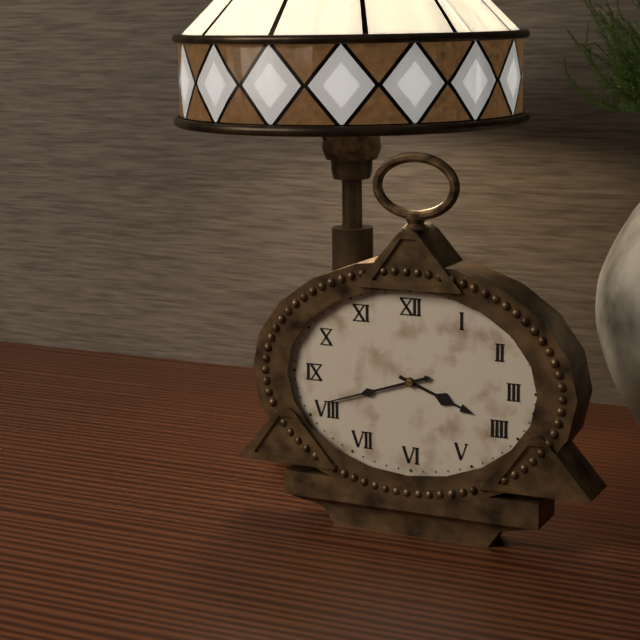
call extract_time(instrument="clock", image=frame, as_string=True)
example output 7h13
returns 3h42
